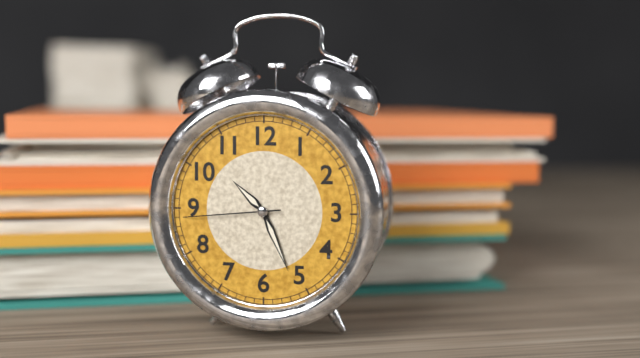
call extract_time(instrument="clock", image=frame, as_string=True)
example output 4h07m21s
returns 10h26m44s
